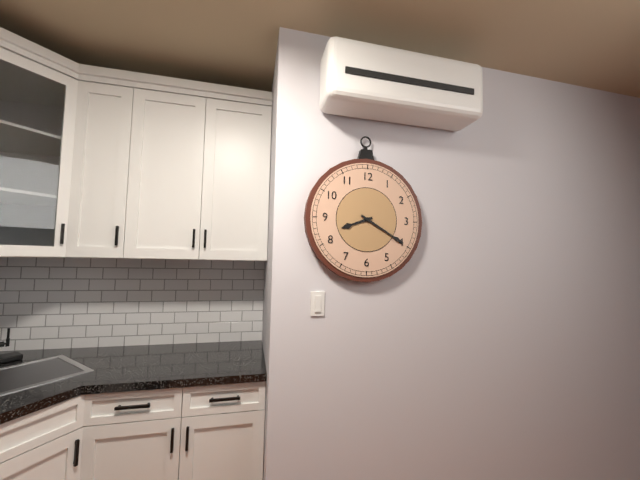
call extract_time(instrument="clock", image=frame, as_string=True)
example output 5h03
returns 8h20
